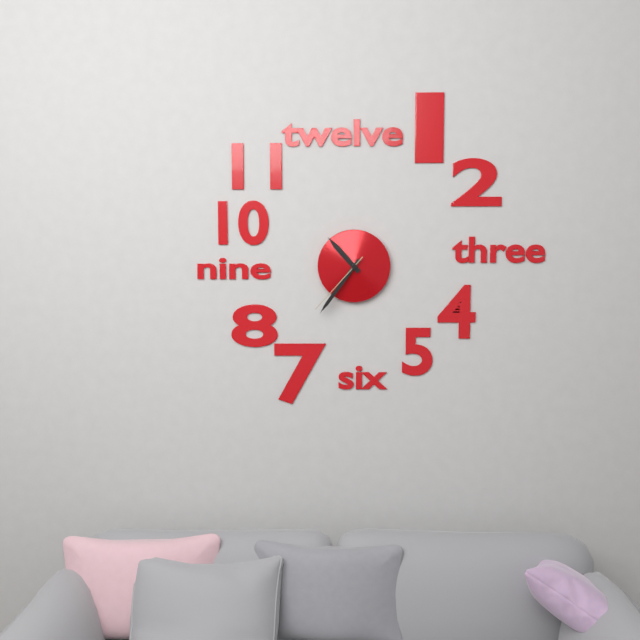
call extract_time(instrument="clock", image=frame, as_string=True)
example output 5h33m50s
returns 10h36m37s
